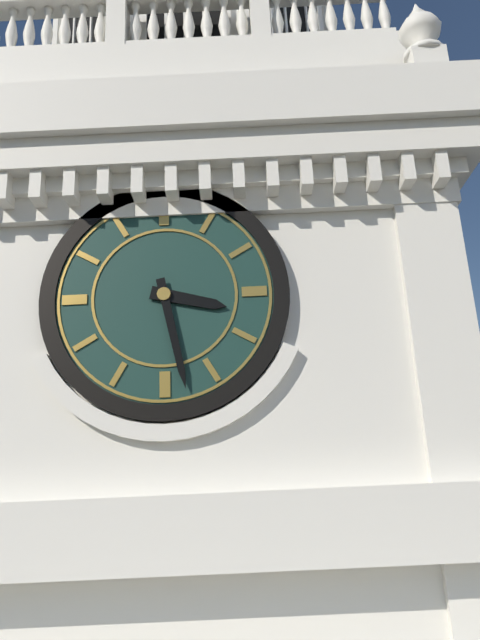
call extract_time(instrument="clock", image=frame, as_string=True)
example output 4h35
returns 3h28
